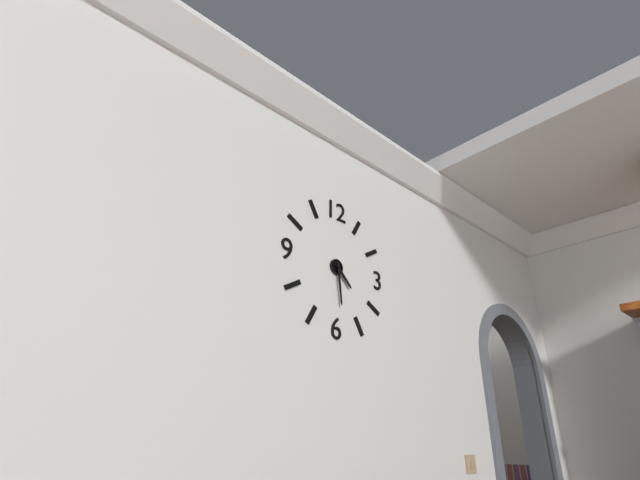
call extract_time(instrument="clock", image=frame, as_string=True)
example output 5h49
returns 4h29
